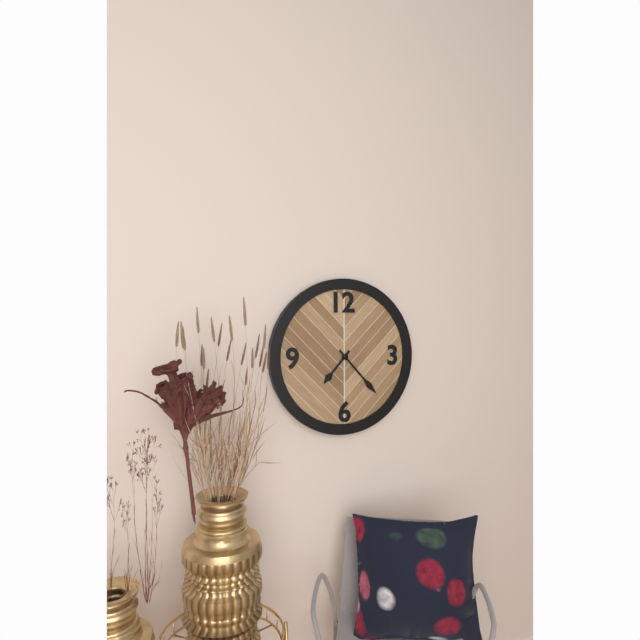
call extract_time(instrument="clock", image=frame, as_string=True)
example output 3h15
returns 7h23
